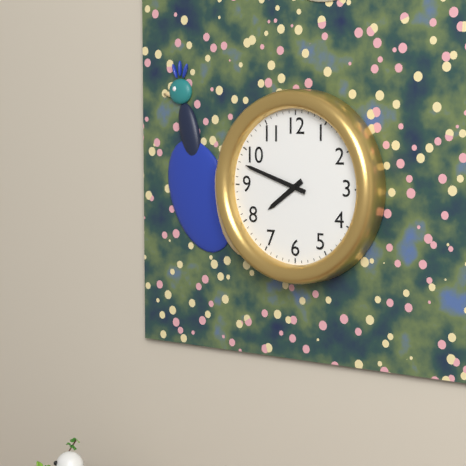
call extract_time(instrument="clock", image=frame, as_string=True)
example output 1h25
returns 7h48
